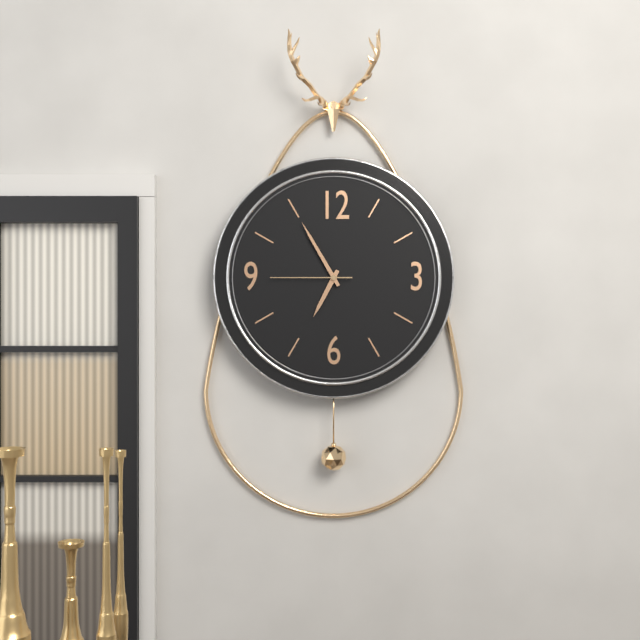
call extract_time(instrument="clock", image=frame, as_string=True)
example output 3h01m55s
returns 6h55m45s
